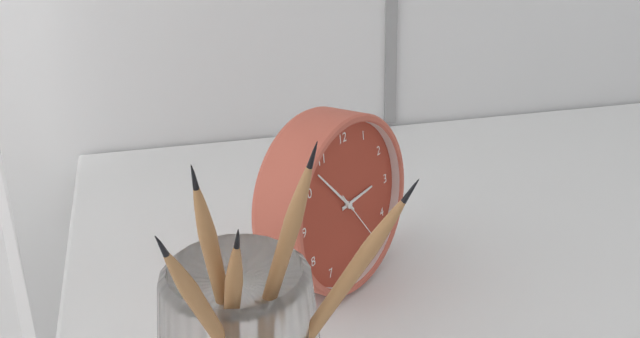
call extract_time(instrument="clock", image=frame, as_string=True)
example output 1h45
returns 2h53
